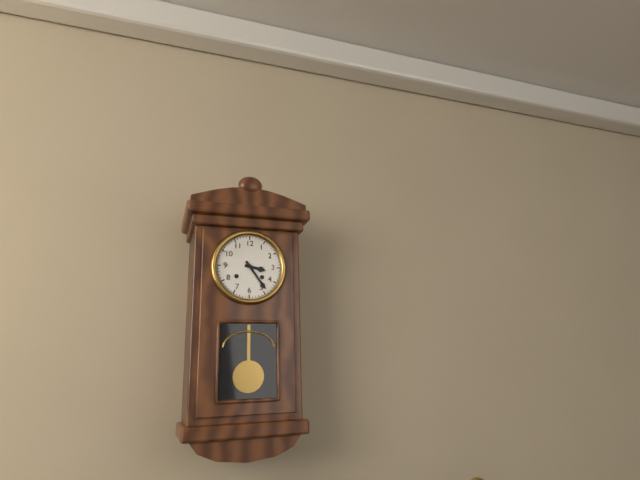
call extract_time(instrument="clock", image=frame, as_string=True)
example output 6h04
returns 3h24
